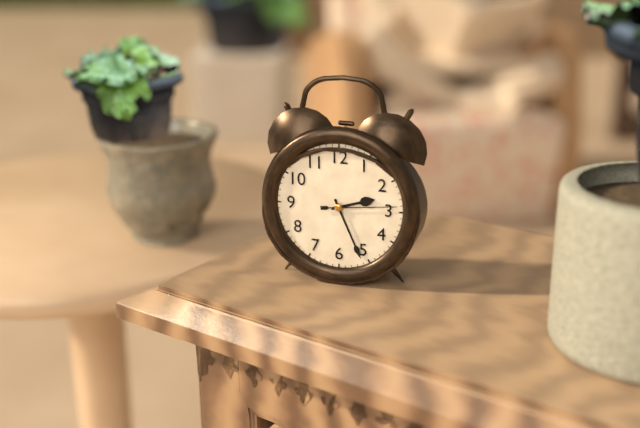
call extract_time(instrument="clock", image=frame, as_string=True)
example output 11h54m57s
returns 2h26m14s
